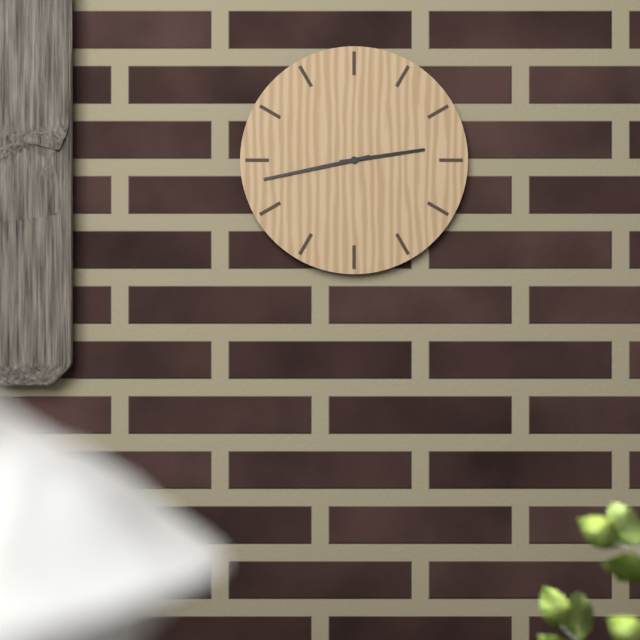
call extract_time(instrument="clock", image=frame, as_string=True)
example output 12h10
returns 2h43
